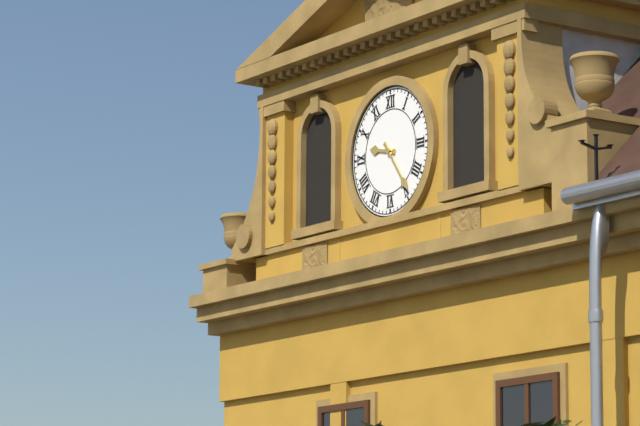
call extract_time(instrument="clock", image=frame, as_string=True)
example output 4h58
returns 9h24
